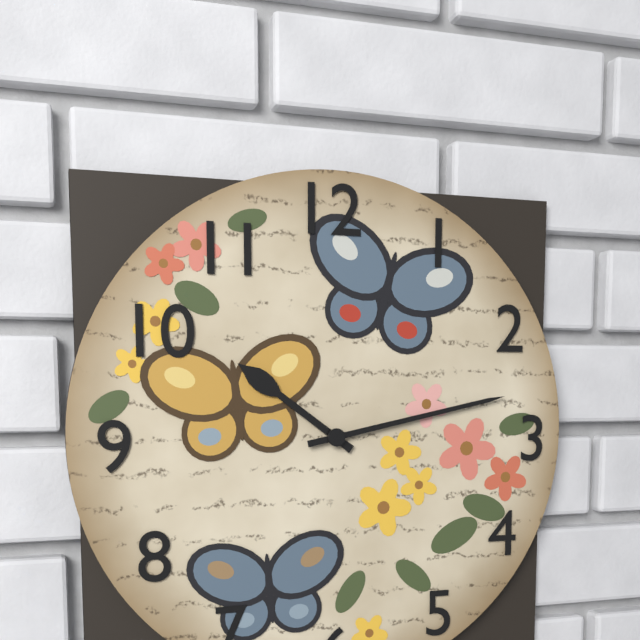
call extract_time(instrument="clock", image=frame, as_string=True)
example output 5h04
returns 10h13
